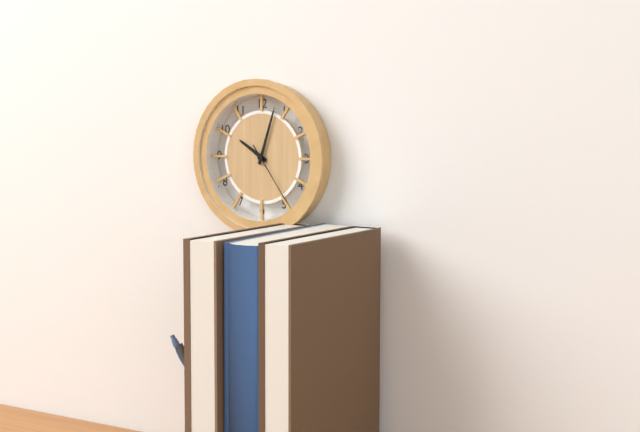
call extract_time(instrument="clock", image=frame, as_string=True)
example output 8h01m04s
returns 10h03m24s
